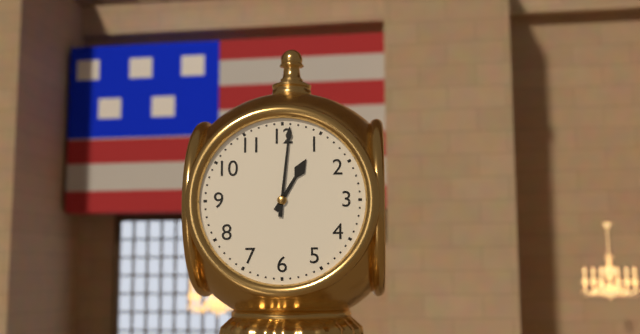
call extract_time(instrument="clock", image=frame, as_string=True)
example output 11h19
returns 1h01
